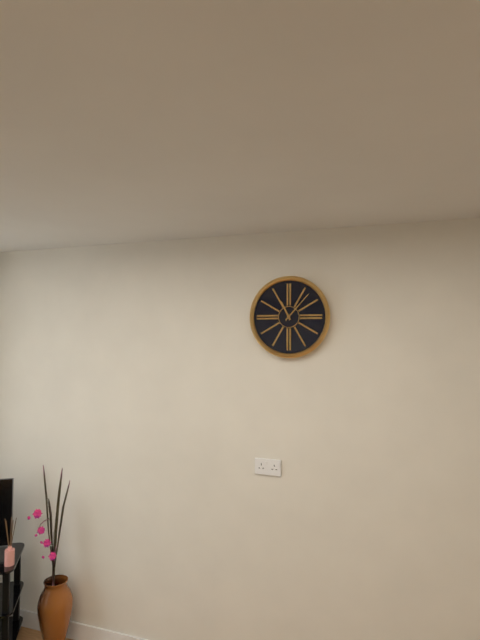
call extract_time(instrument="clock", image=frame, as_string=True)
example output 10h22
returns 11h07
